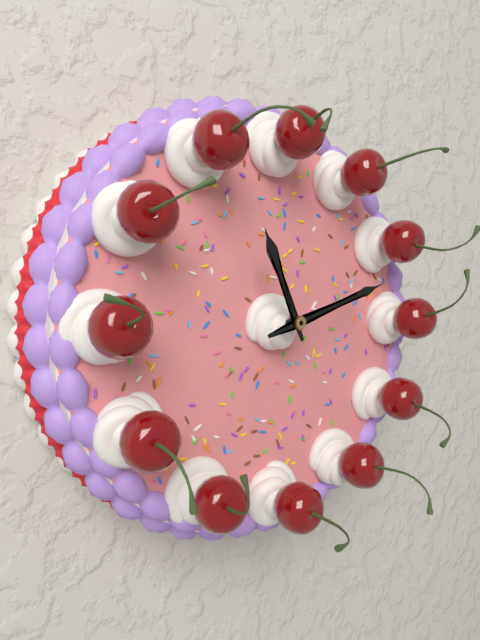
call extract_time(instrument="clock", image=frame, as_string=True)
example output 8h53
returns 11h12
